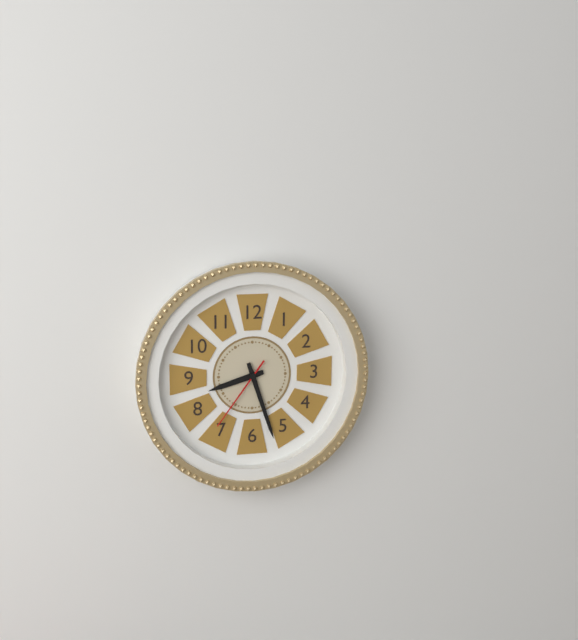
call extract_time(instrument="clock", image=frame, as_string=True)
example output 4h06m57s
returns 8h27m36s
